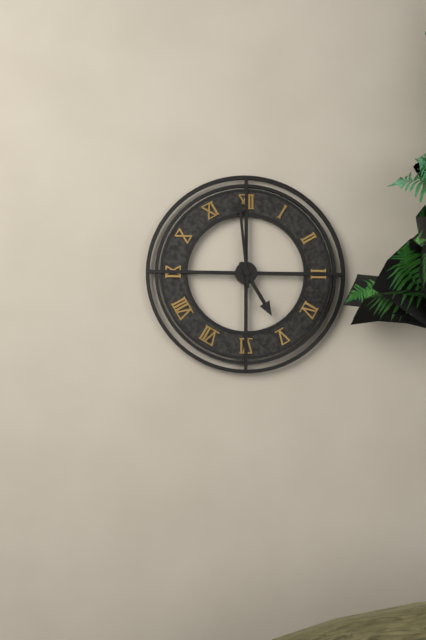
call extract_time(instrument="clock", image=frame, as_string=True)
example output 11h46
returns 4h59
